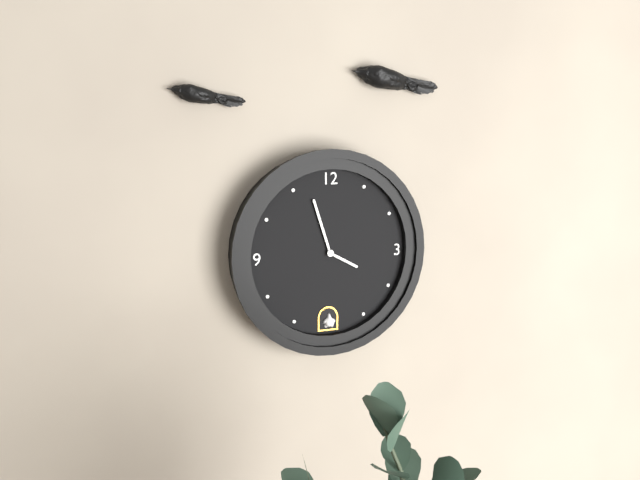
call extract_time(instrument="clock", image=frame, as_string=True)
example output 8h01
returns 3h57
